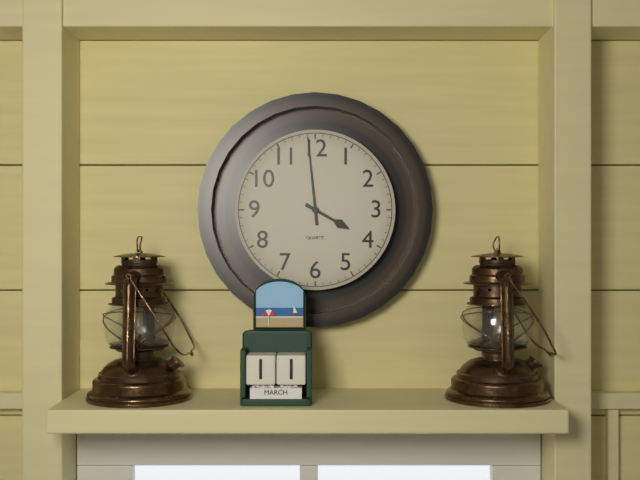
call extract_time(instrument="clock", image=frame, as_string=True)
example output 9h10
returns 3h59
